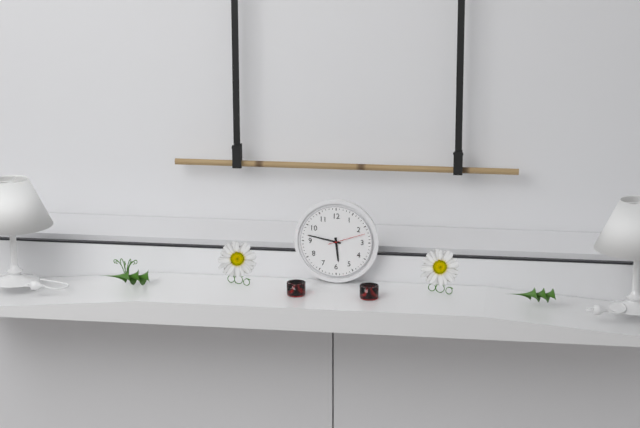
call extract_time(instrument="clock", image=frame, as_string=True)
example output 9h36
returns 5h47
